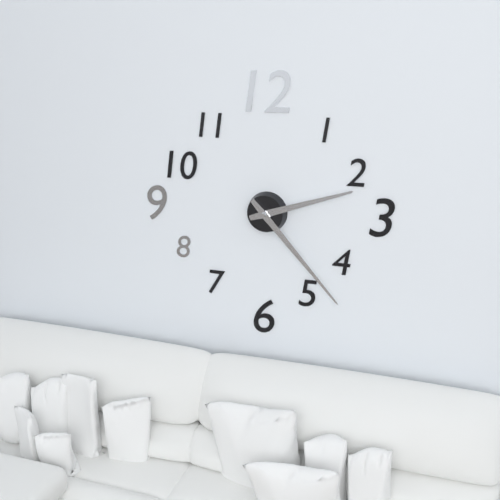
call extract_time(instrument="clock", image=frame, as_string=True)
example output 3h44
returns 2h23
